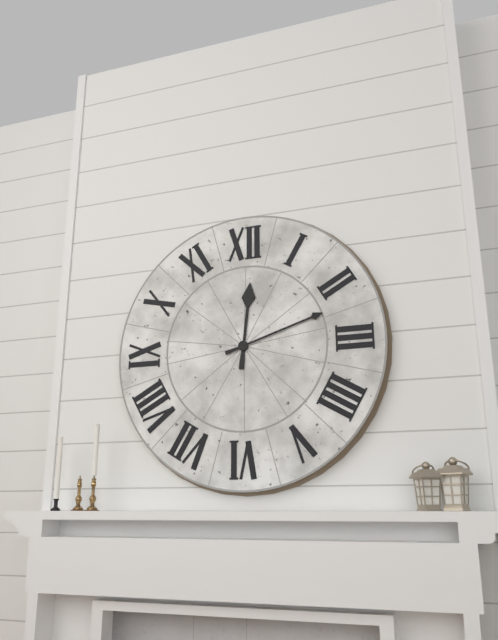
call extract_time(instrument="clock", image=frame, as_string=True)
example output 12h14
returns 12h12
